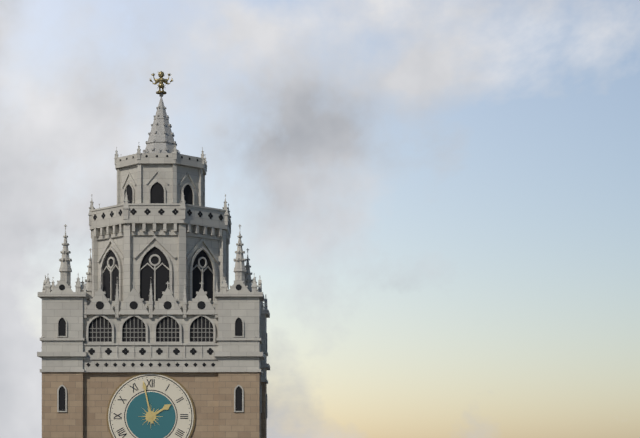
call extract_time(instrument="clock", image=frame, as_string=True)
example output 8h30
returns 1h58
